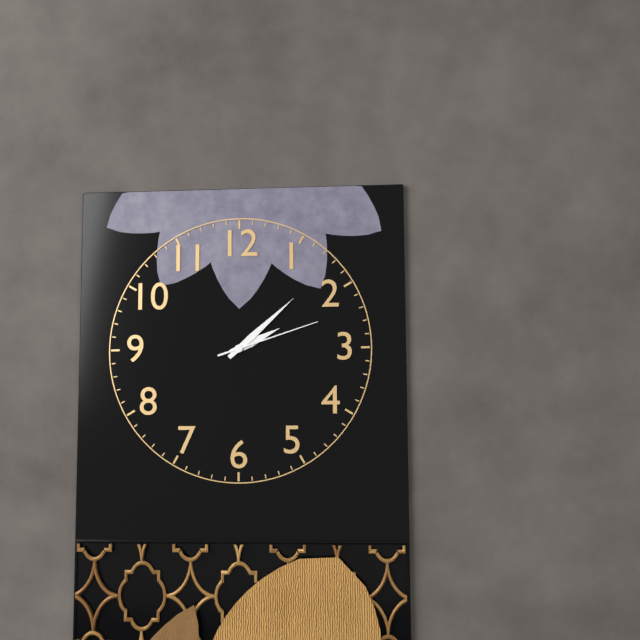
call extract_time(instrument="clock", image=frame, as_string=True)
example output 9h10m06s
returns 2h08m12s
